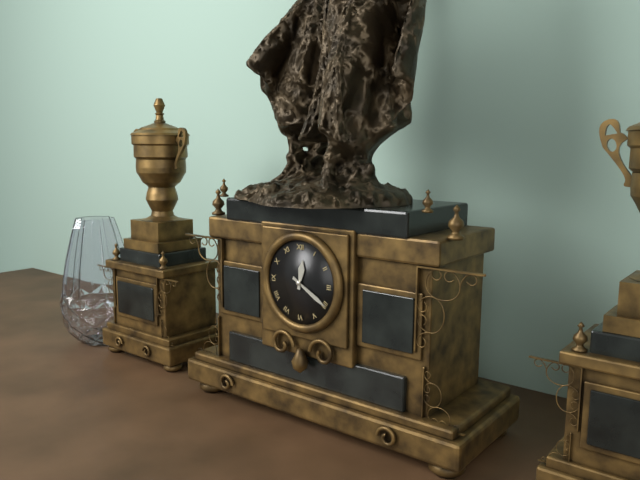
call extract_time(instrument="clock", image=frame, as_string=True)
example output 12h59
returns 12h20
